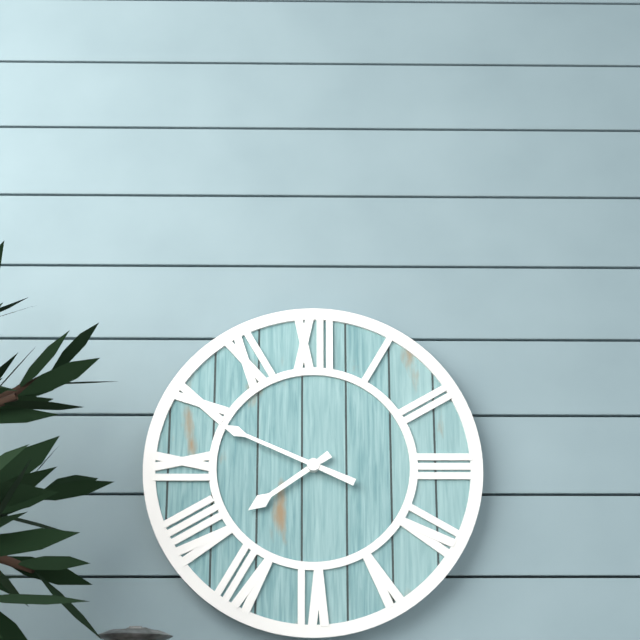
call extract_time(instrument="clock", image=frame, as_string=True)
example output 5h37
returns 7h49
